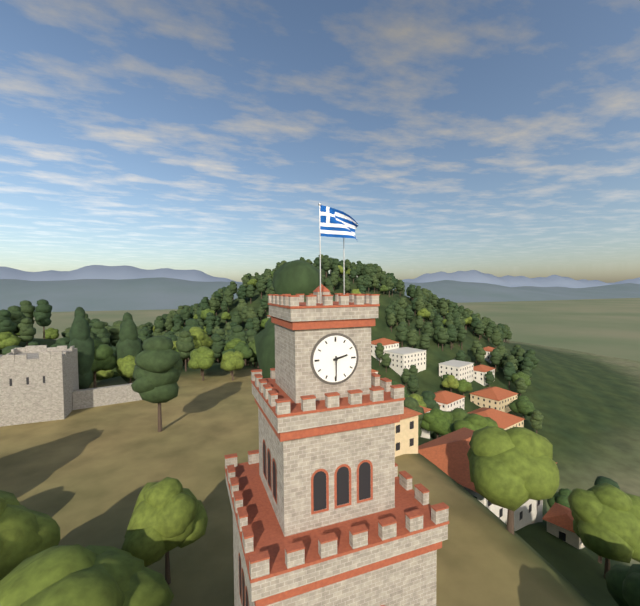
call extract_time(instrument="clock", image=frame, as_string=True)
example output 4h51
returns 2h30
